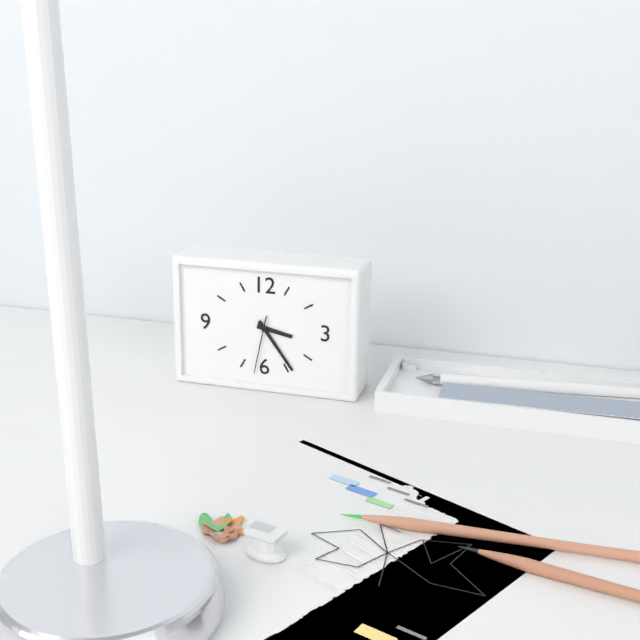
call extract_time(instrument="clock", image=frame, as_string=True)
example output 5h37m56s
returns 3h24m32s
